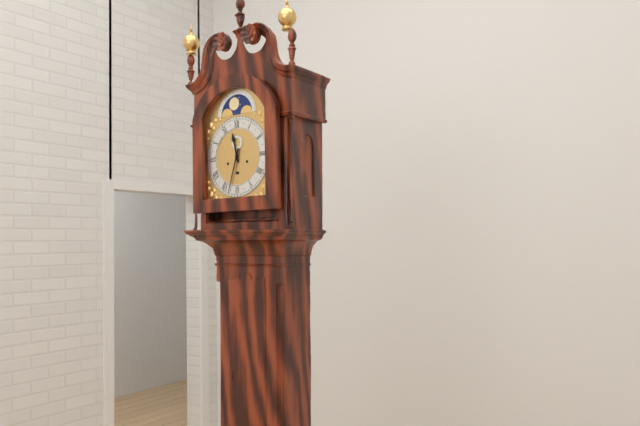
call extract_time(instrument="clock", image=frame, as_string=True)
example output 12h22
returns 11h33
